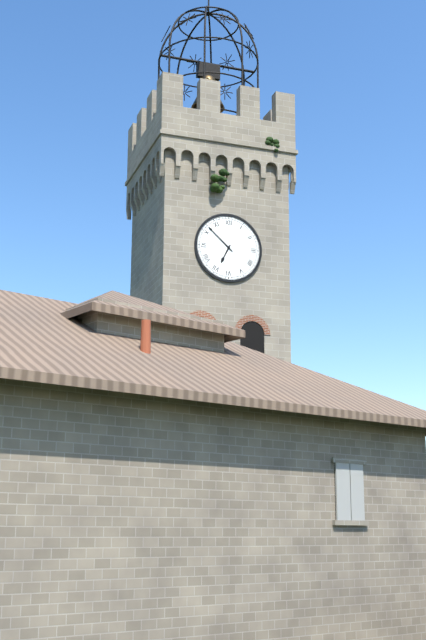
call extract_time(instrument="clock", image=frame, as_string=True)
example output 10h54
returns 6h52
